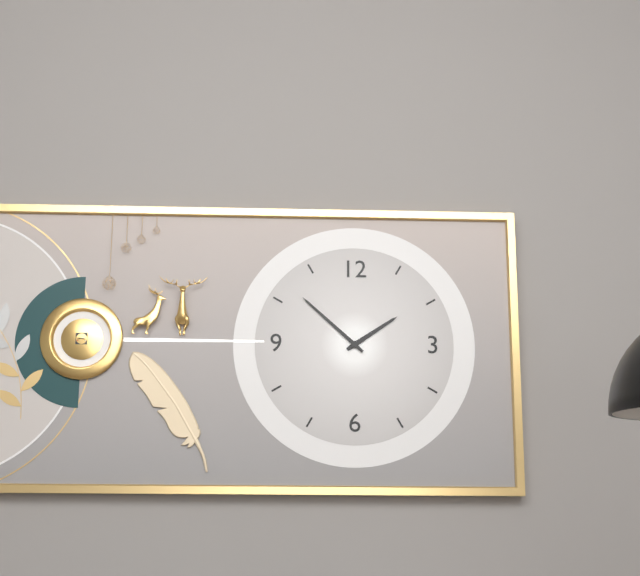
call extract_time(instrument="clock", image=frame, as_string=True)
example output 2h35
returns 1h52
